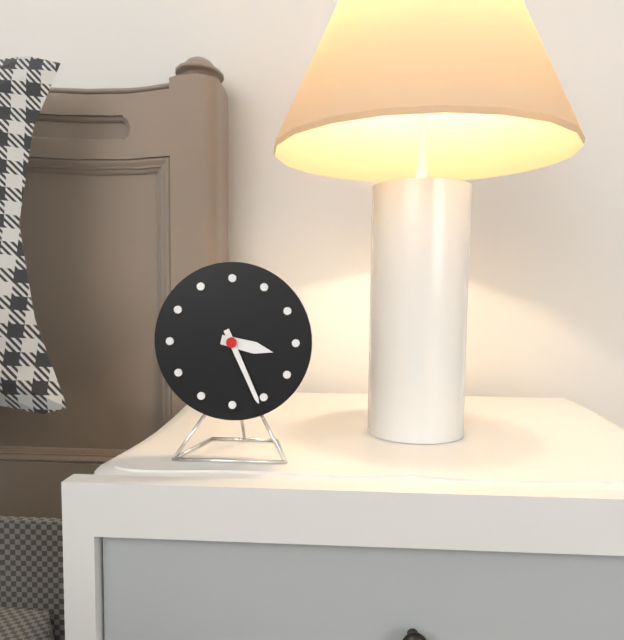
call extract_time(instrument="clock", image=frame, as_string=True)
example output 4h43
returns 3h26
